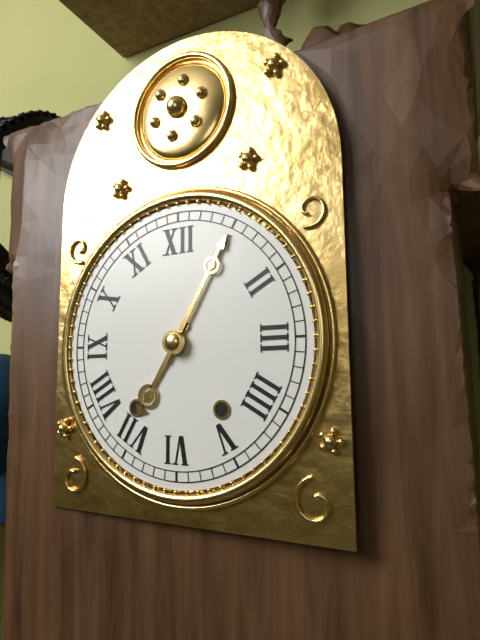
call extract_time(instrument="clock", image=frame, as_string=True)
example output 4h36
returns 7h05
